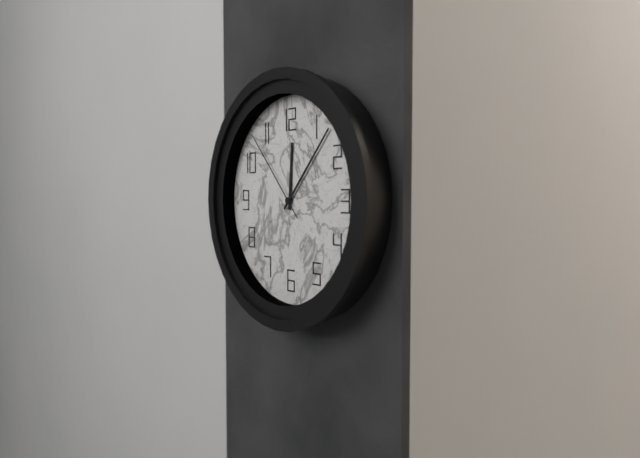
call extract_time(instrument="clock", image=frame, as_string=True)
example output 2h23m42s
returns 12h07m53s
